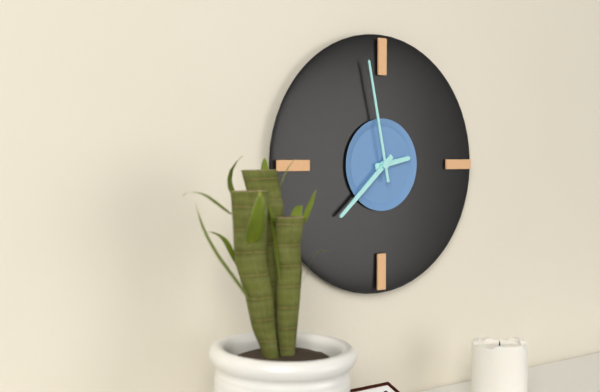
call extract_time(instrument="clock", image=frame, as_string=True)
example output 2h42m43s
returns 2h38m58s
